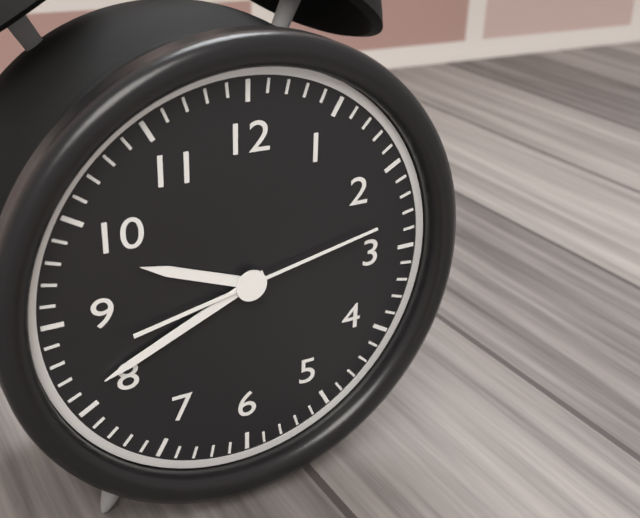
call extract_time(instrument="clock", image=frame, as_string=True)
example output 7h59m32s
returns 9h41m13s
